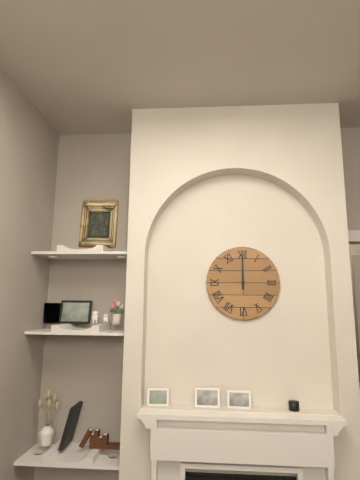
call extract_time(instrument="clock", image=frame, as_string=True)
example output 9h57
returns 12h00
